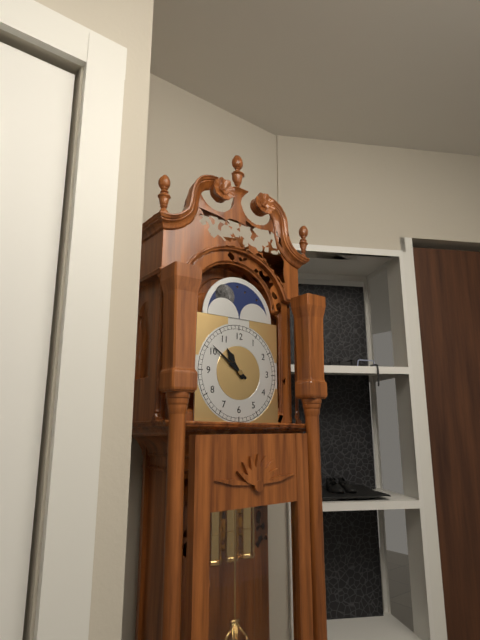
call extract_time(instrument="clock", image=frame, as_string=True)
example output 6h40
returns 10h51
